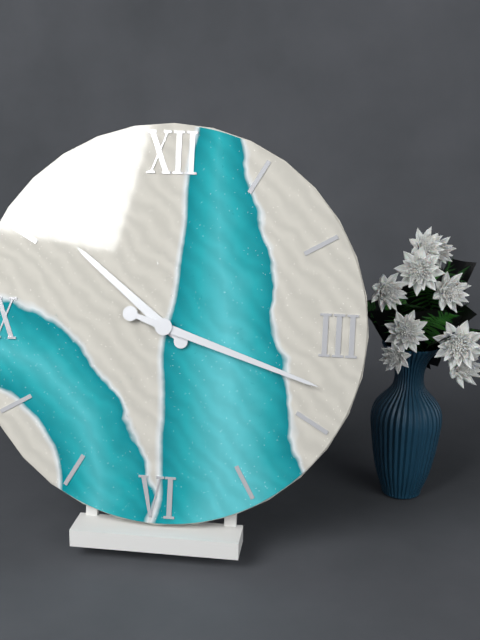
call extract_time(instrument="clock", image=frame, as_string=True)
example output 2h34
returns 10h18
